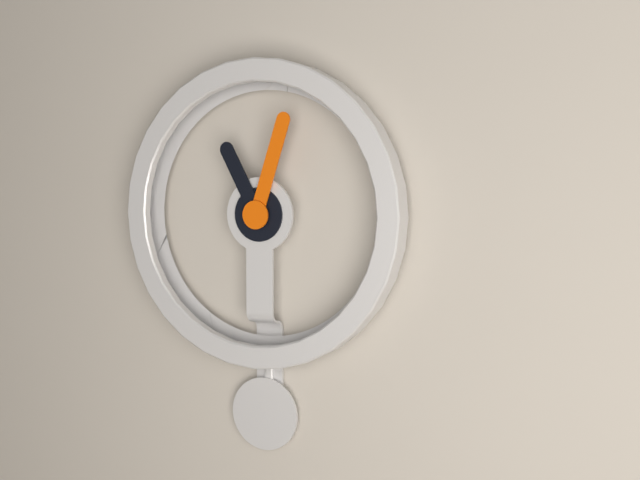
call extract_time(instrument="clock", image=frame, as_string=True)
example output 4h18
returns 11h03
